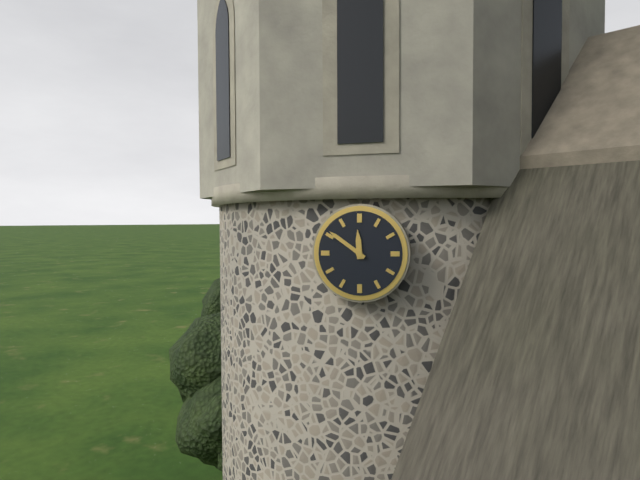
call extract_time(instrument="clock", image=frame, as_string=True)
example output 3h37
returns 11h51
